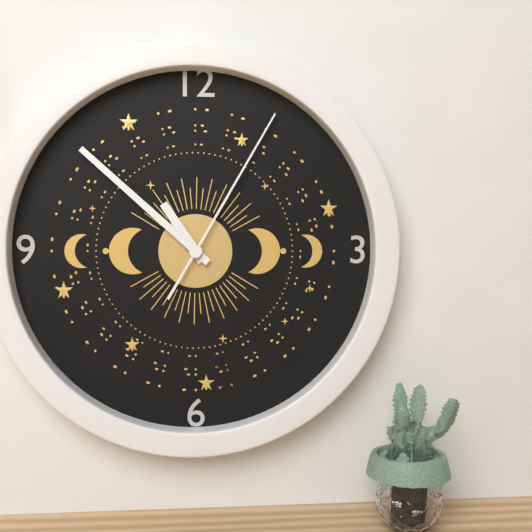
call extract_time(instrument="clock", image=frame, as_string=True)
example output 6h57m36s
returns 10h52m05s
